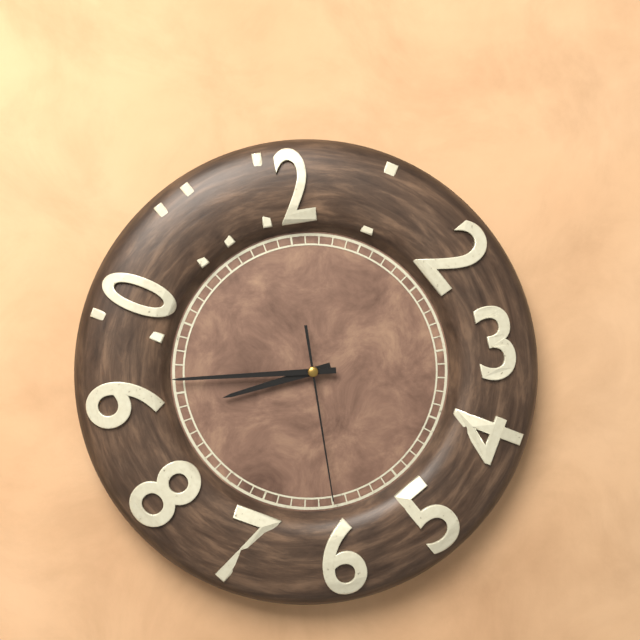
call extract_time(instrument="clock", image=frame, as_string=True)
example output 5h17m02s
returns 8h46m30s
